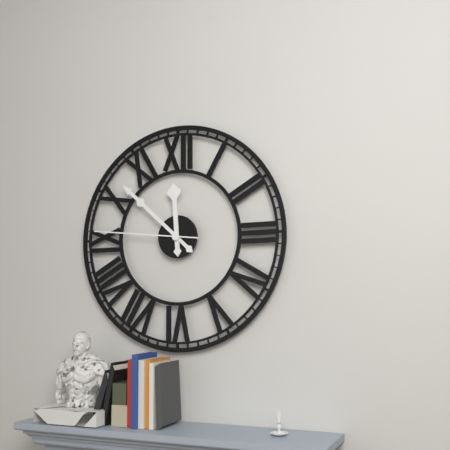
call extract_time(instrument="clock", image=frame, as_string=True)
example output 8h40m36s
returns 11h52m46s
